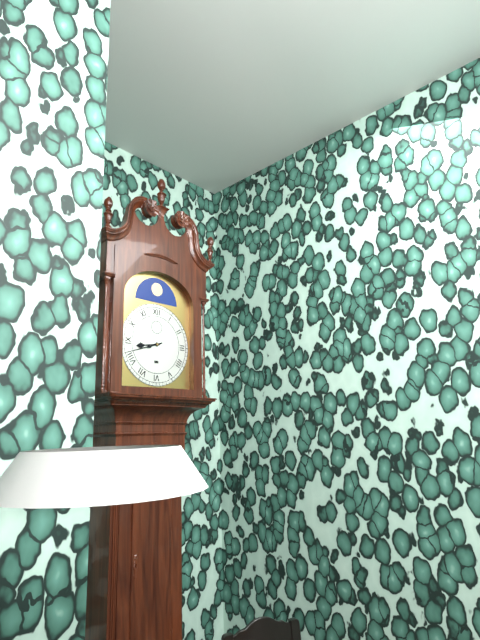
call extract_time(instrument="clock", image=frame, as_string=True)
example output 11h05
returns 8h42
